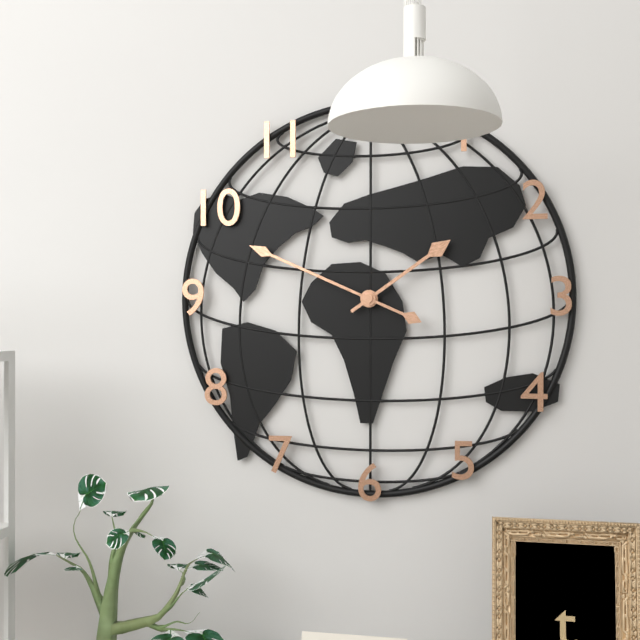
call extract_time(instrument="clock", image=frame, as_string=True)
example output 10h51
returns 1h49
